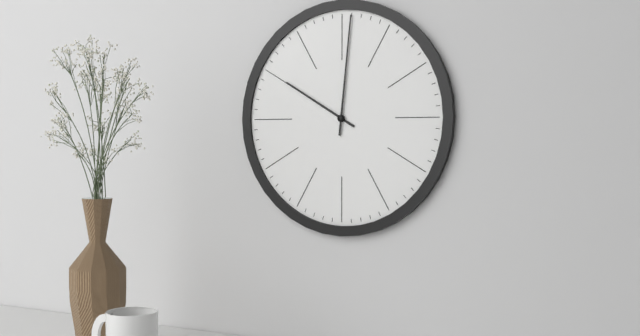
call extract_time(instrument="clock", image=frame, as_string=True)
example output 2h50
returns 10h01
